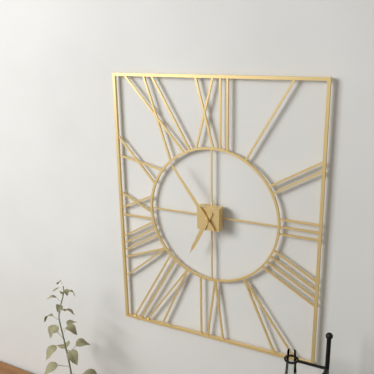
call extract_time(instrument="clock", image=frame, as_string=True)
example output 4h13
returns 6h54
